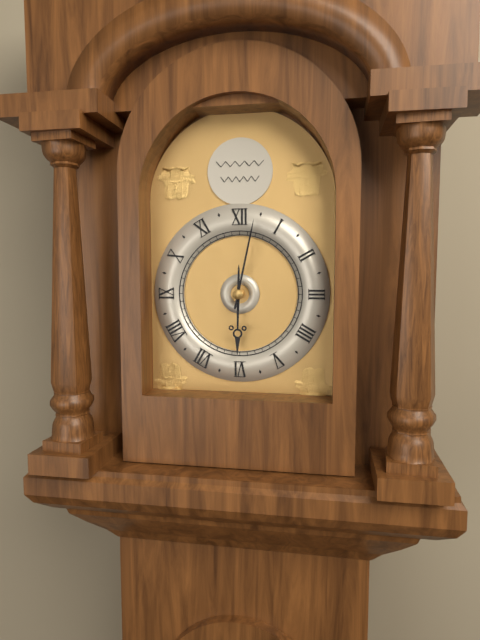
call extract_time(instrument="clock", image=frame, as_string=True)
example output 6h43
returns 6h02
